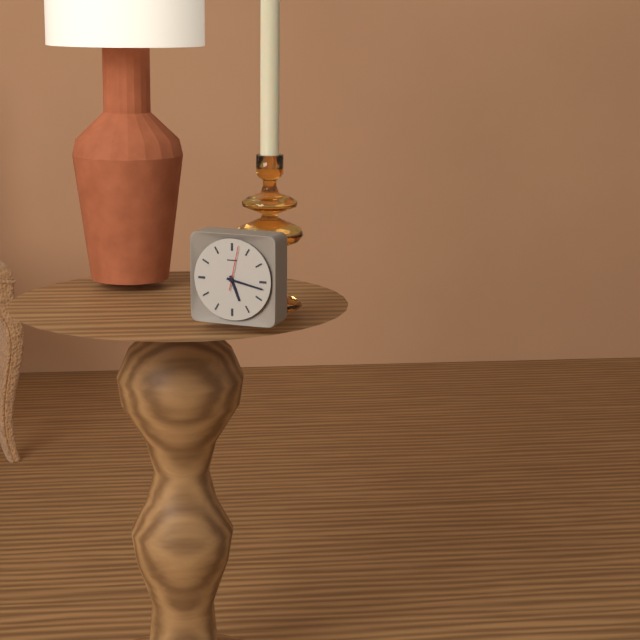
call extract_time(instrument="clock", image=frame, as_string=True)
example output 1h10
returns 5h17
